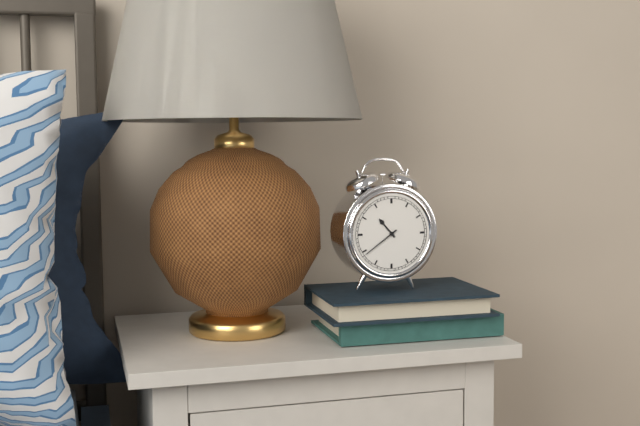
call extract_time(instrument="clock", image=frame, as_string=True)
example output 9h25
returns 10h39
